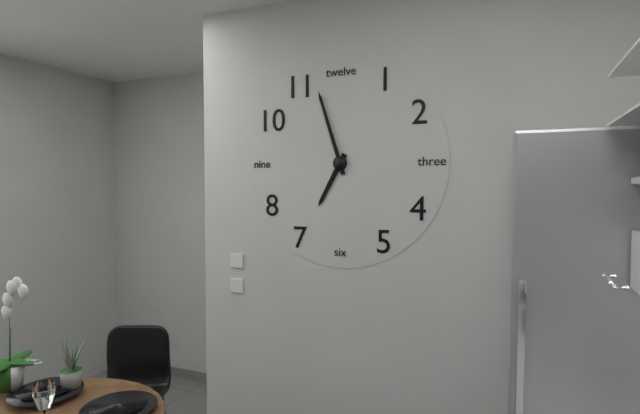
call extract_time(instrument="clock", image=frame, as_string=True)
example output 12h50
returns 6h57
